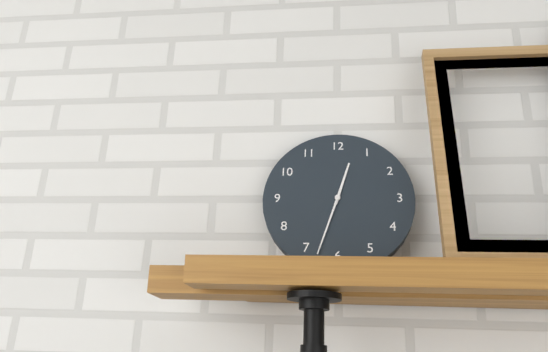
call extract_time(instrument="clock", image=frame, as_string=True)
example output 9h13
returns 12h33
